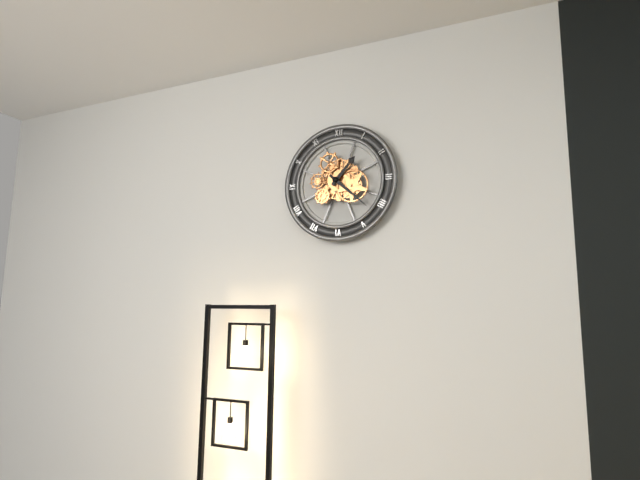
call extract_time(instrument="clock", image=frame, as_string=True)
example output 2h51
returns 1h22
